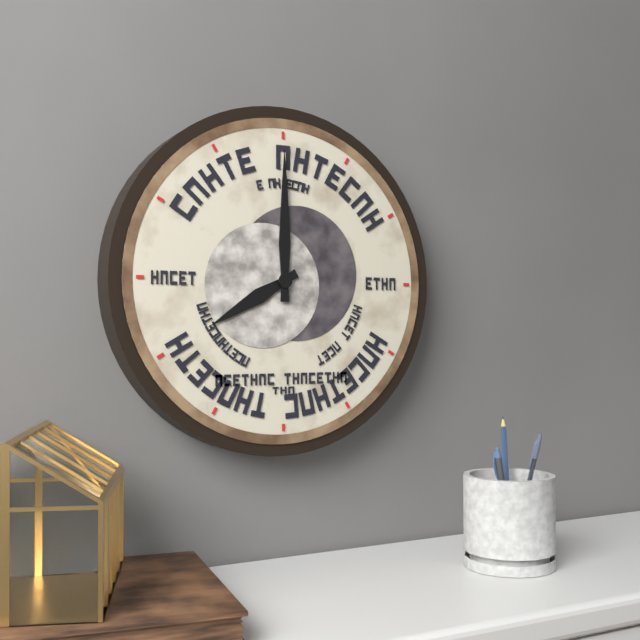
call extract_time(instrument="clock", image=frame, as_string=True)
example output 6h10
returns 8h00
